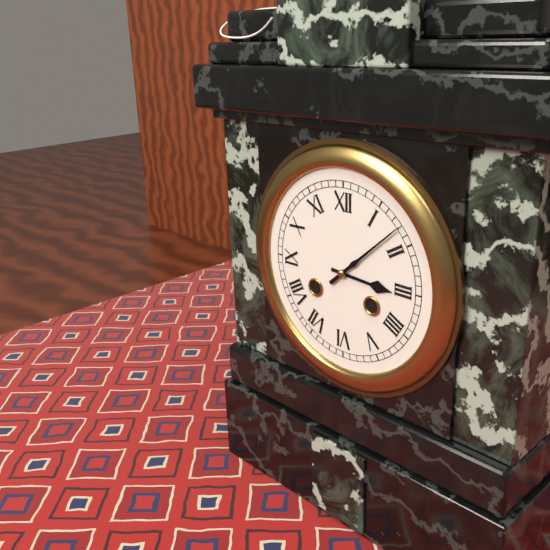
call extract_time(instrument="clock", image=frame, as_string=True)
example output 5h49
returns 3h08
